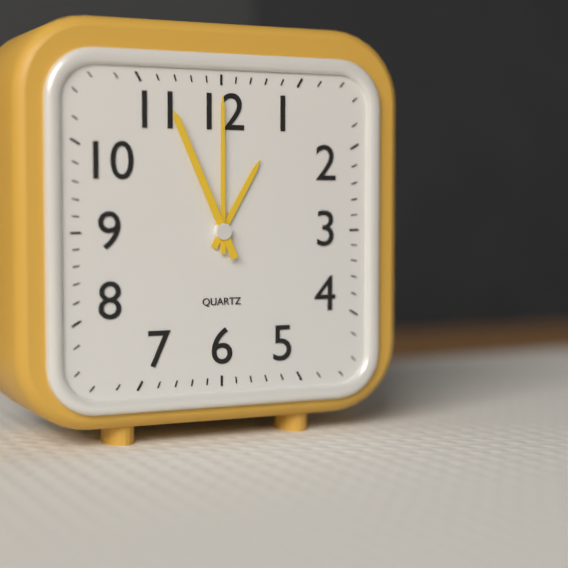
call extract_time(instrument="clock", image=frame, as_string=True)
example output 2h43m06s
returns 1h00m56s
